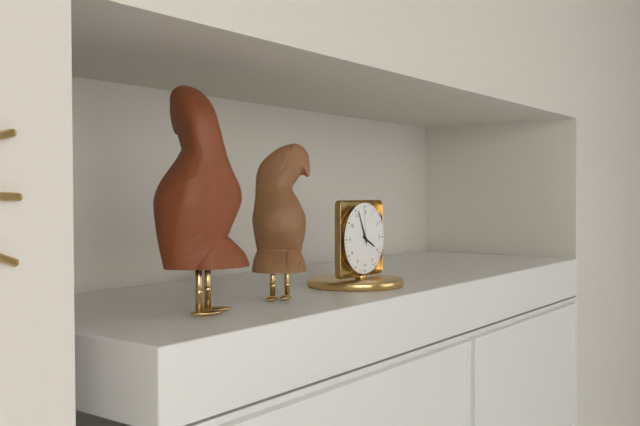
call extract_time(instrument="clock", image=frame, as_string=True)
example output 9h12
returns 3h56
